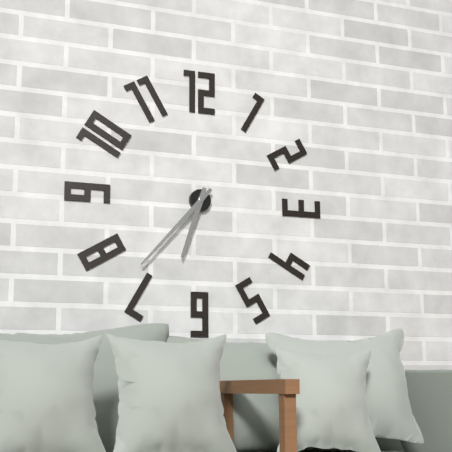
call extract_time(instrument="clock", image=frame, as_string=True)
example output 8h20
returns 6h37
